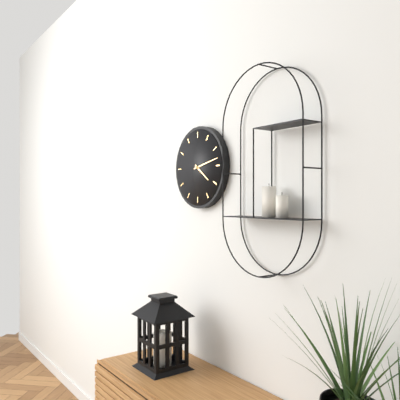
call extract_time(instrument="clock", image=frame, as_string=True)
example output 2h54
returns 4h13
